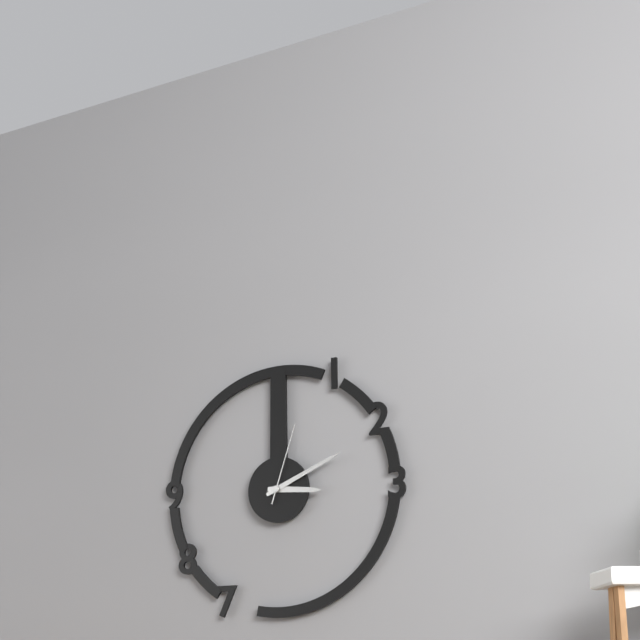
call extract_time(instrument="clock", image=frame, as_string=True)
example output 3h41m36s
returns 3h11m03s
